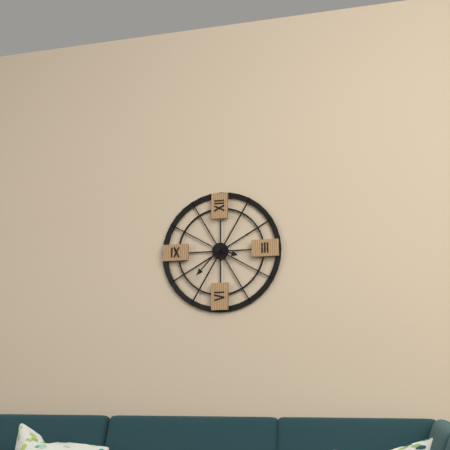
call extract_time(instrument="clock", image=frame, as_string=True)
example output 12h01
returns 3h37
